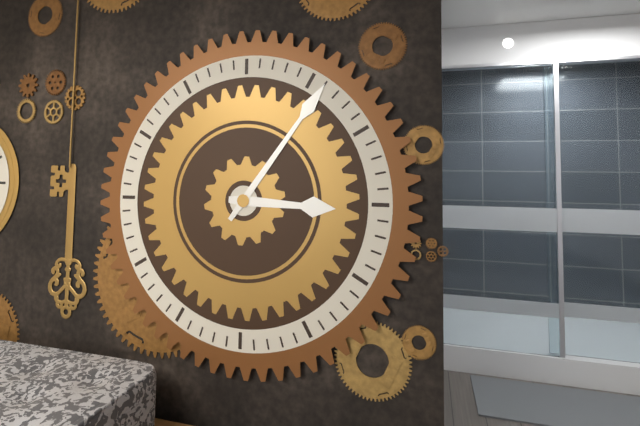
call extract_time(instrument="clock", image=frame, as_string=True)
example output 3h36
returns 3h06
